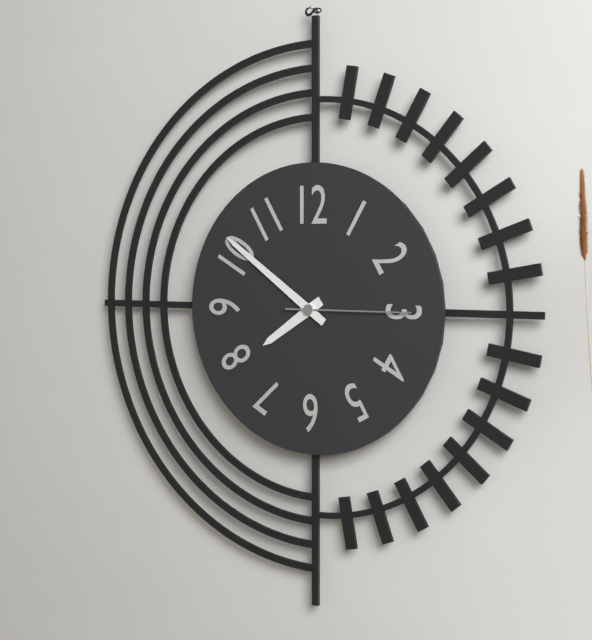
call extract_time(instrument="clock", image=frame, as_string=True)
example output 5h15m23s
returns 7h51m15s
